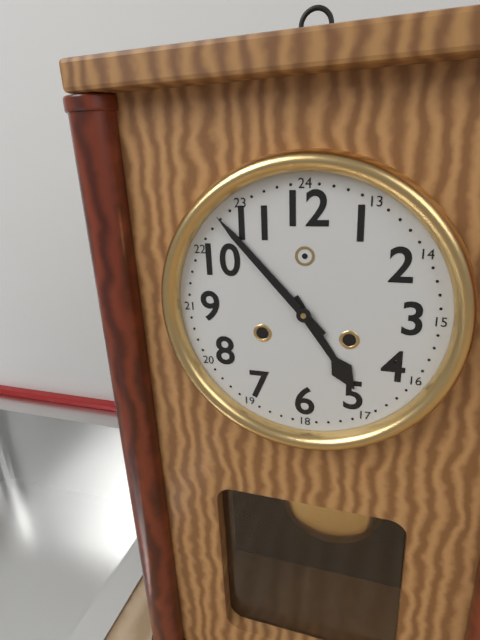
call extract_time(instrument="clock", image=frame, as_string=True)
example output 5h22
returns 4h53
